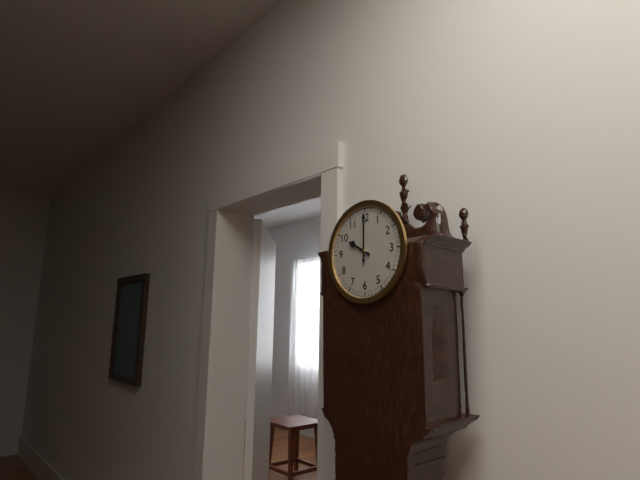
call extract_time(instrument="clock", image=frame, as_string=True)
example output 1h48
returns 10h00
